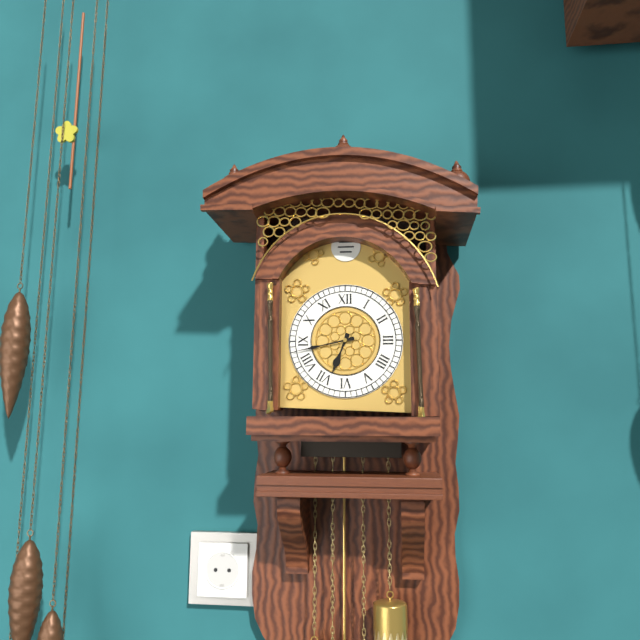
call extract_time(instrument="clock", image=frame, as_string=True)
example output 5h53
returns 6h43
